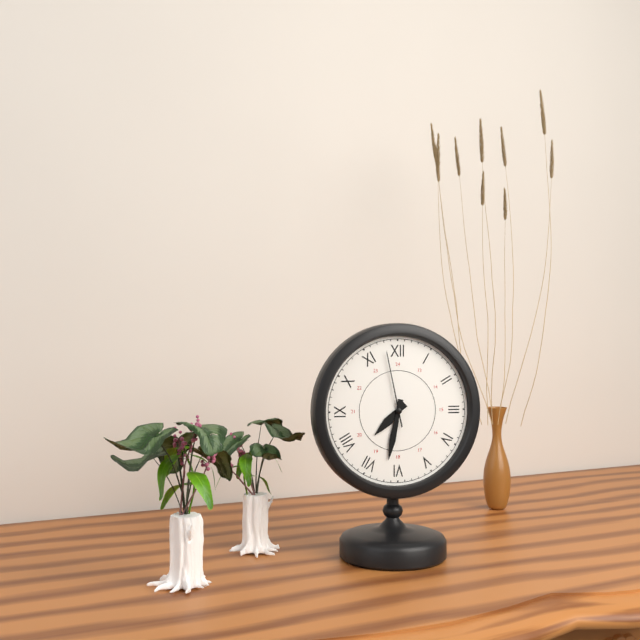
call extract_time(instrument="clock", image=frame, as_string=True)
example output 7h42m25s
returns 7h32m58s
